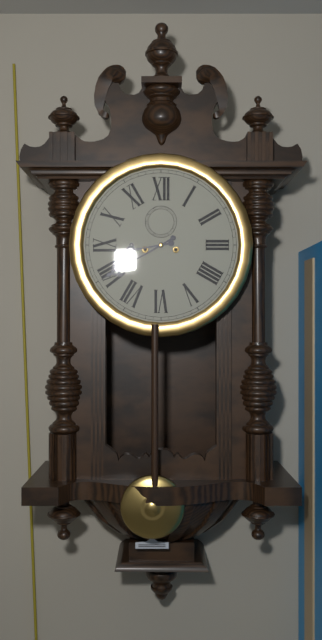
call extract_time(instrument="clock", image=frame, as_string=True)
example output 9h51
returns 8h40
